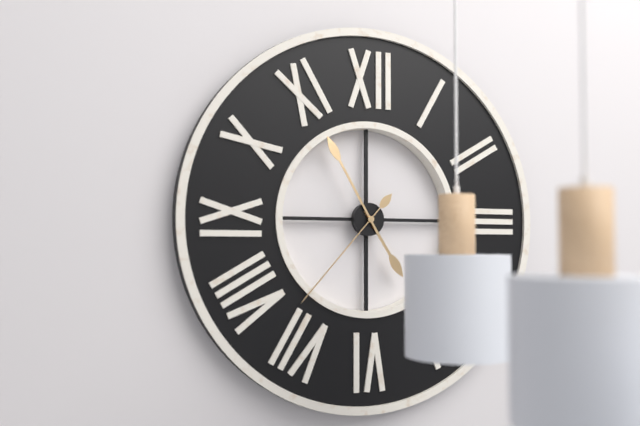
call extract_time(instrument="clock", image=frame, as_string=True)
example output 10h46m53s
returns 4h55m37s
